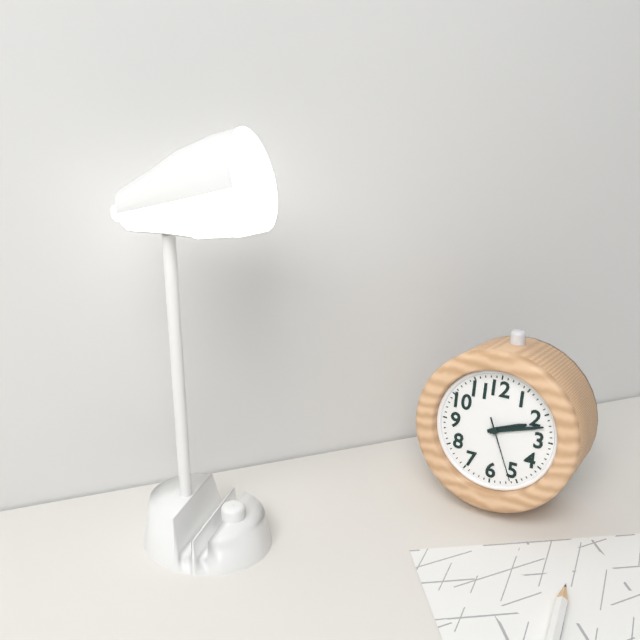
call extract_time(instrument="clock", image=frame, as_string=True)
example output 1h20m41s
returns 2h12m26s
